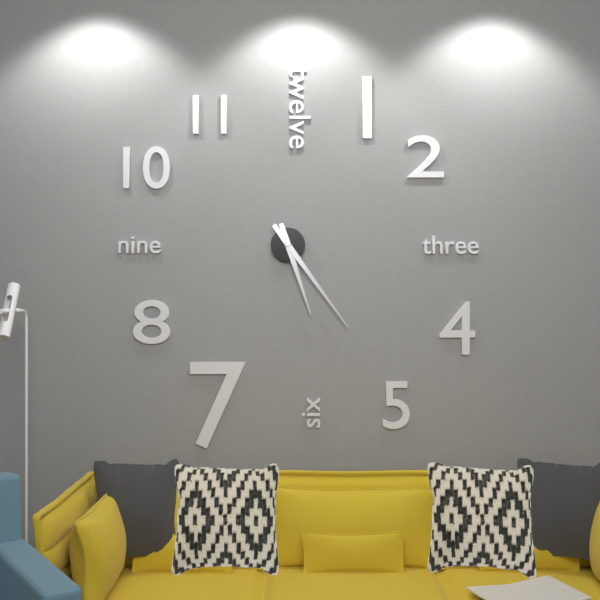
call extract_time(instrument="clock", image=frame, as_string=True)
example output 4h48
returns 5h24
